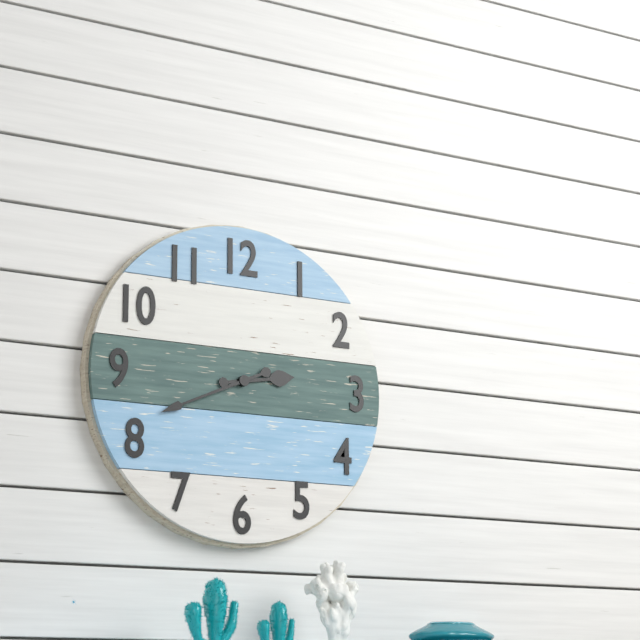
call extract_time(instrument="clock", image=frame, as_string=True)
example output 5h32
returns 2h41
